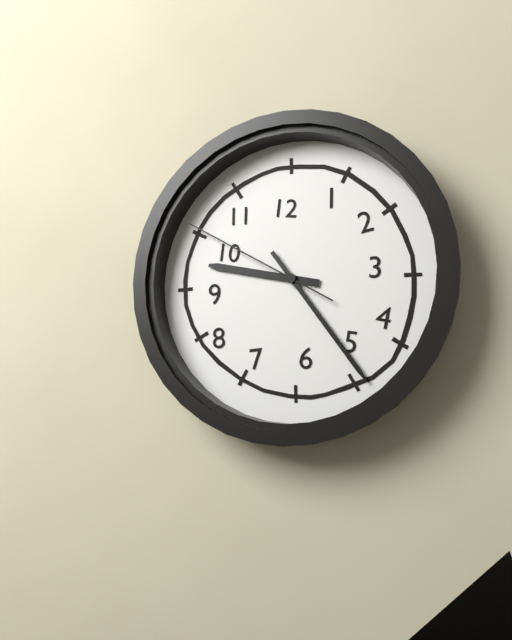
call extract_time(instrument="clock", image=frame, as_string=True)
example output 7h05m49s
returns 9h24m50s
